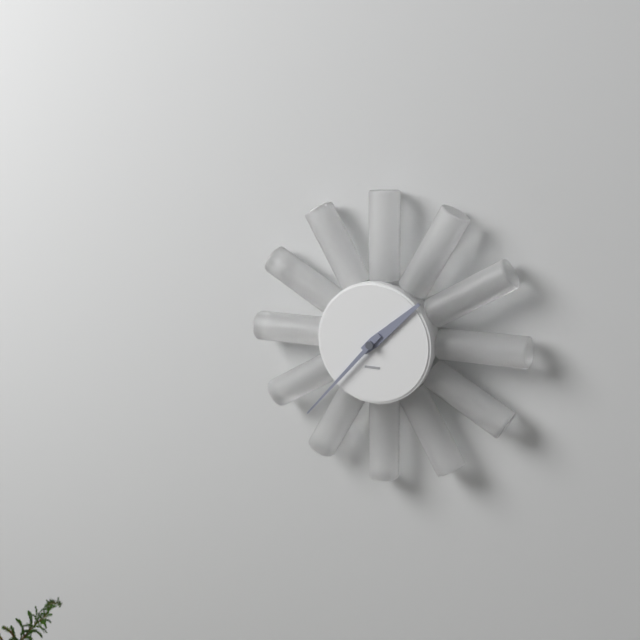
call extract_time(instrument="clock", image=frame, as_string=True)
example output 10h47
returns 1h37
